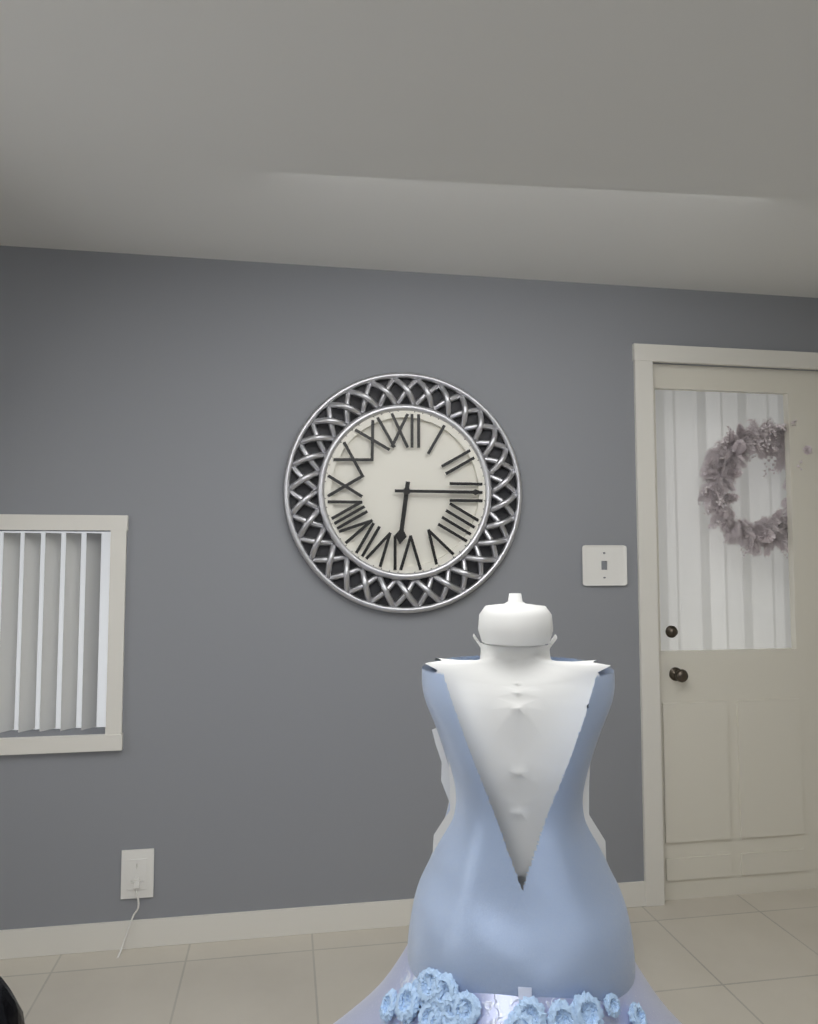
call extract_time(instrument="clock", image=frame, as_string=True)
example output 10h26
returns 6h15
